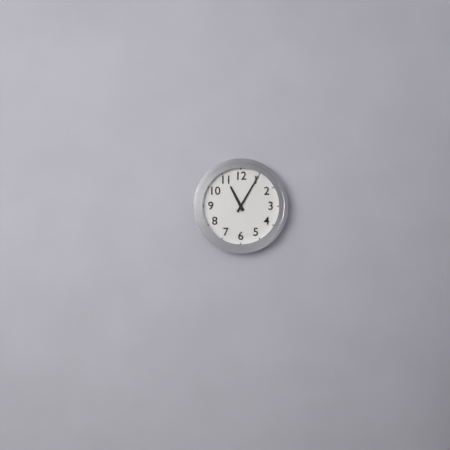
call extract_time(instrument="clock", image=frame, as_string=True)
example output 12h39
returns 11h05
